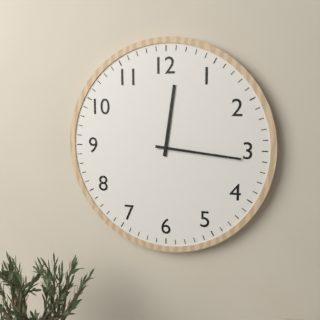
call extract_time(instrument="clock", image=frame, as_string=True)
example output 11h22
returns 12h16
